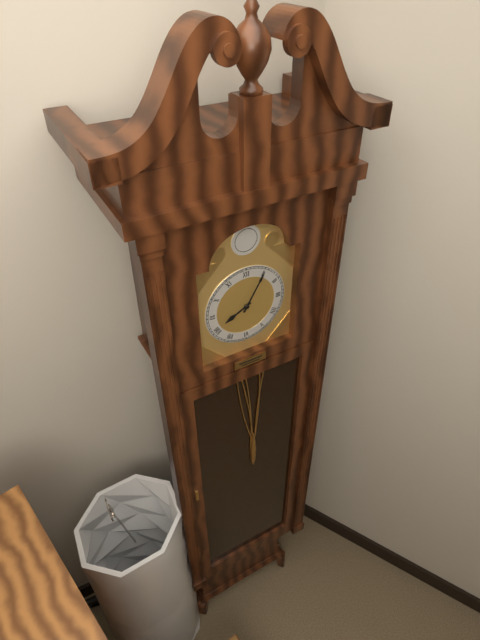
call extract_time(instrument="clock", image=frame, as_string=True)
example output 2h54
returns 8h05
